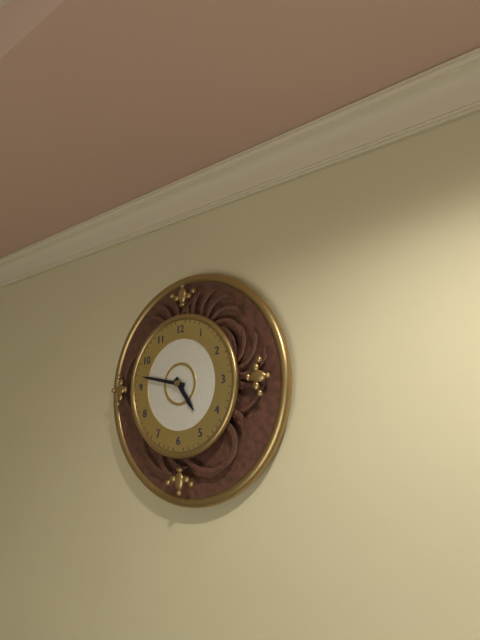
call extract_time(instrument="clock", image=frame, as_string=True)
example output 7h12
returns 4h47
